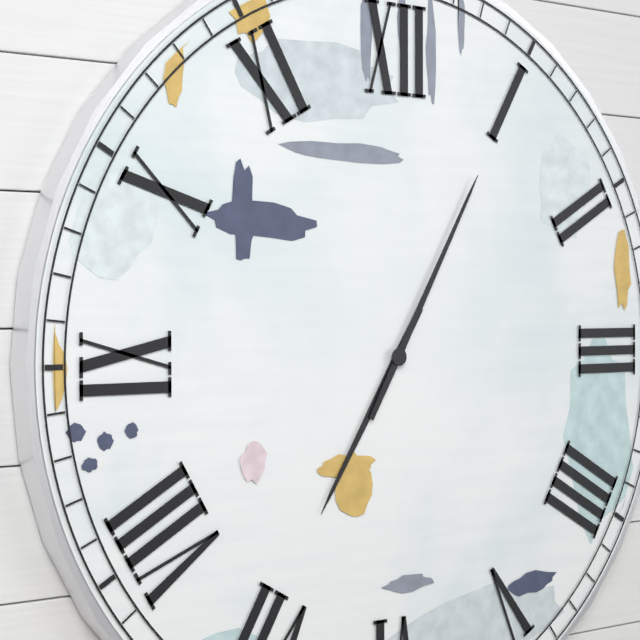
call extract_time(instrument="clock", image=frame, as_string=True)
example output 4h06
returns 7h05
